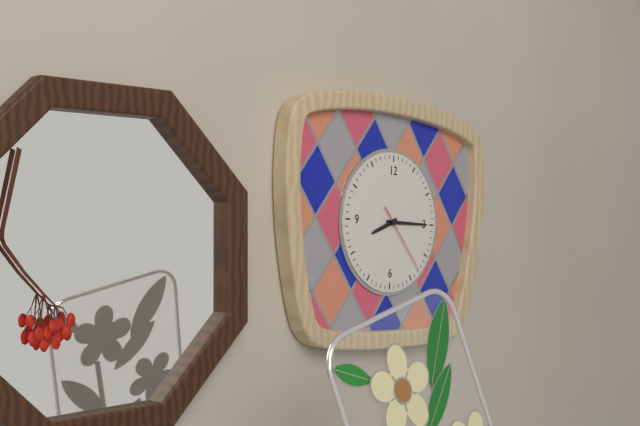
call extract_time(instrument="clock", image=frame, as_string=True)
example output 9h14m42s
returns 8h15m23s
